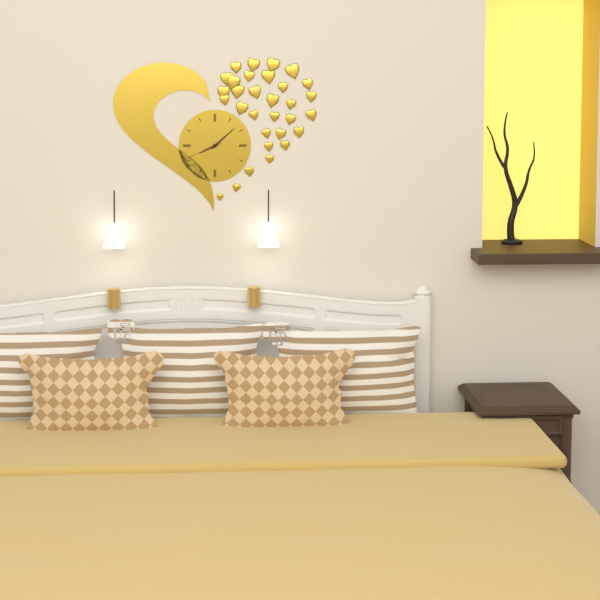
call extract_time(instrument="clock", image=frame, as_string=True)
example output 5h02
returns 8h08
